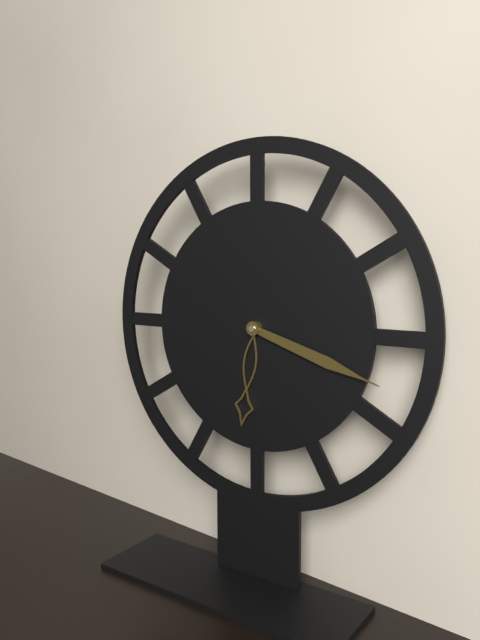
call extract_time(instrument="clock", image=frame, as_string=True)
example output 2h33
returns 6h18
